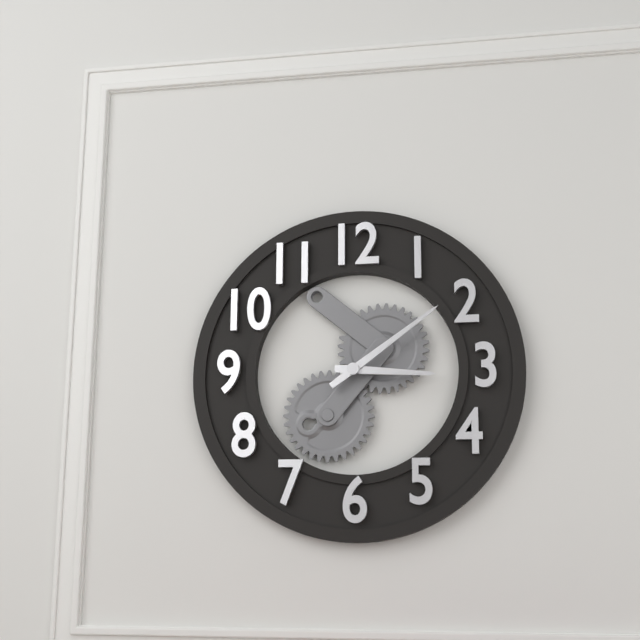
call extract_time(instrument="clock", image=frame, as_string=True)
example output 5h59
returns 3h09
